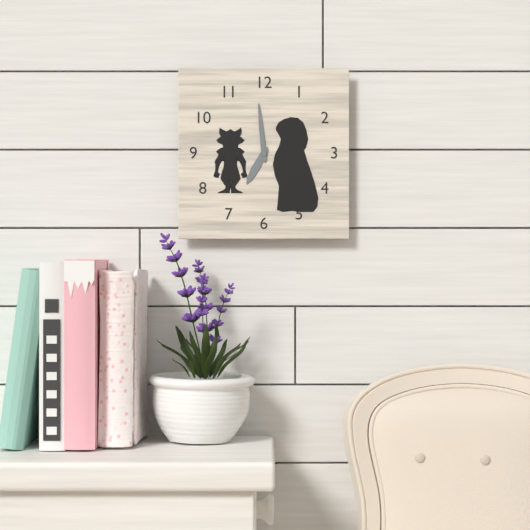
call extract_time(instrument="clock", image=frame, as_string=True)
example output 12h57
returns 6h59
